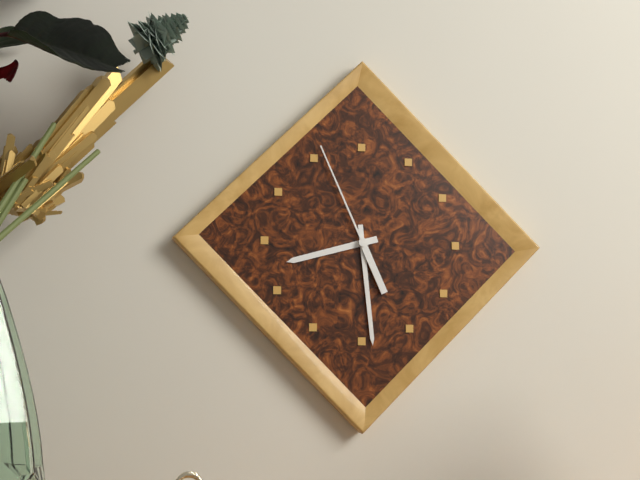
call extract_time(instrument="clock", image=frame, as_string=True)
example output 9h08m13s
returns 8h29m56s
